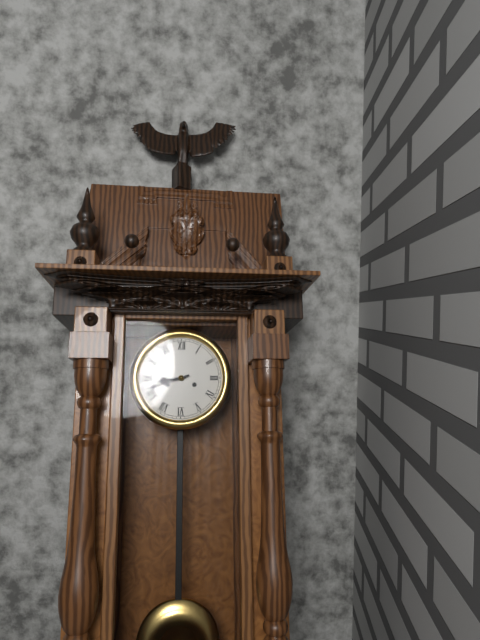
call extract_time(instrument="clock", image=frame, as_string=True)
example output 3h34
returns 8h42
